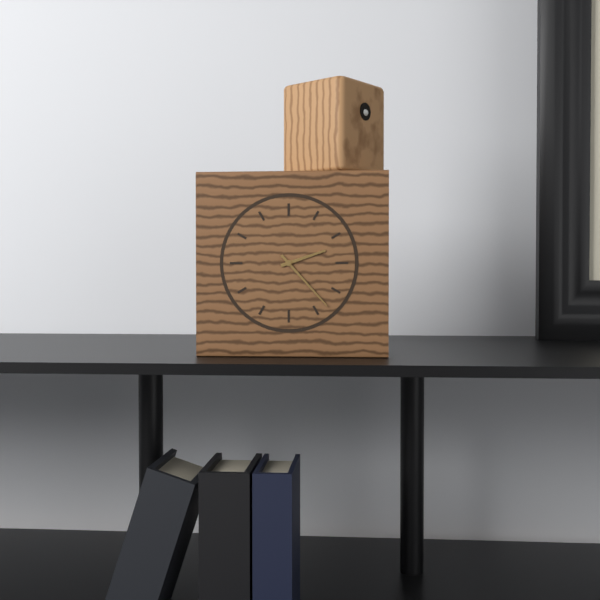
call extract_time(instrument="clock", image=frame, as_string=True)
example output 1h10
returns 2h23
